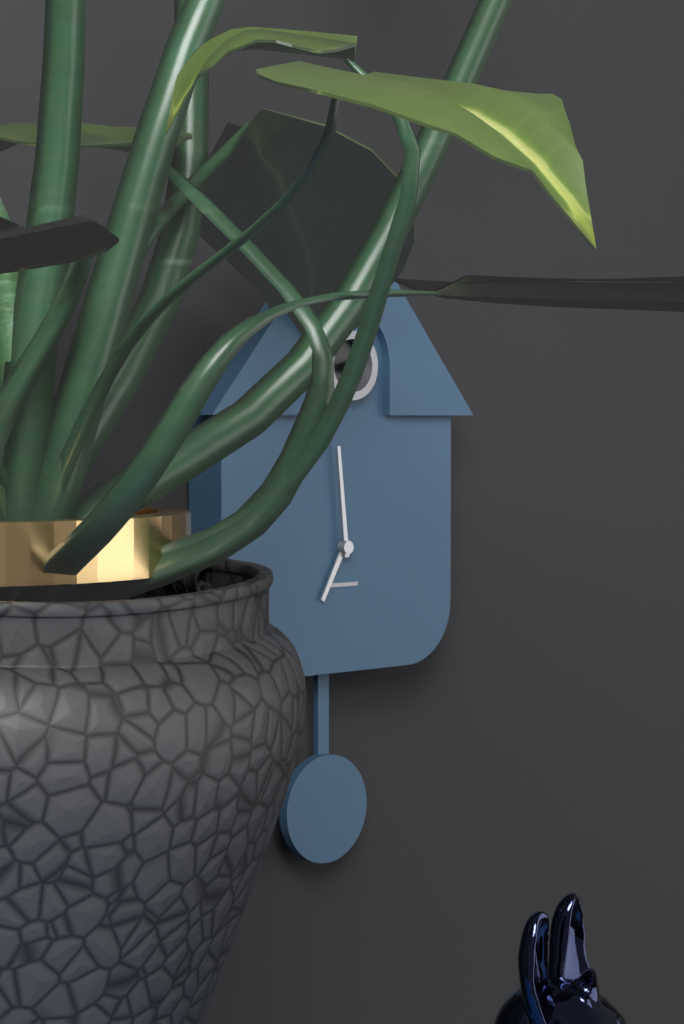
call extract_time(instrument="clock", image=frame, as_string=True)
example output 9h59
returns 6h59
